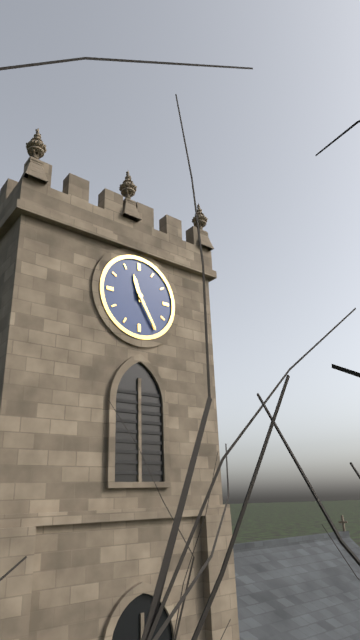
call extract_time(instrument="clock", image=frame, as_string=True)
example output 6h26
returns 11h25
